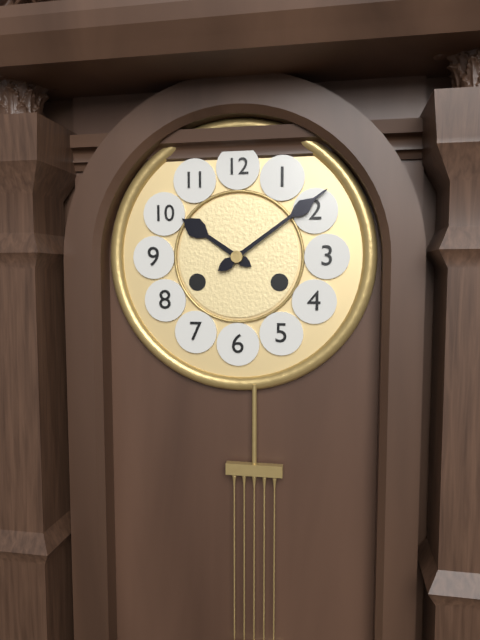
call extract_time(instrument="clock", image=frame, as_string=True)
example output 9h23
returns 10h09
